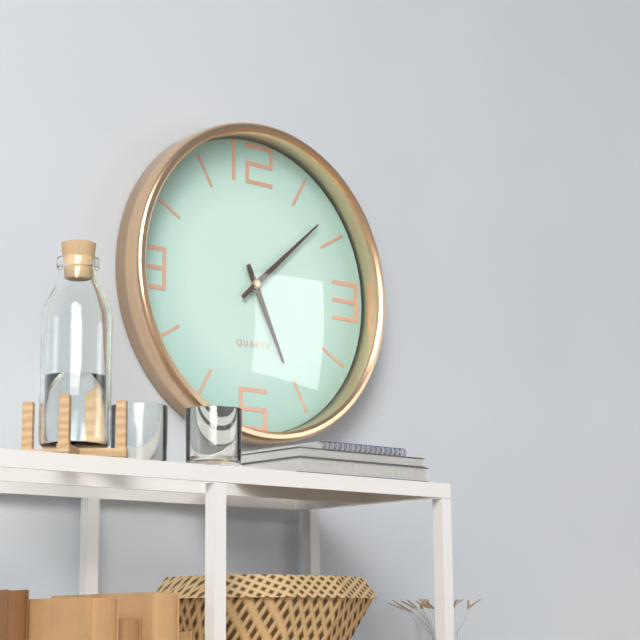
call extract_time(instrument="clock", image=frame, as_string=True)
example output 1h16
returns 5h08
